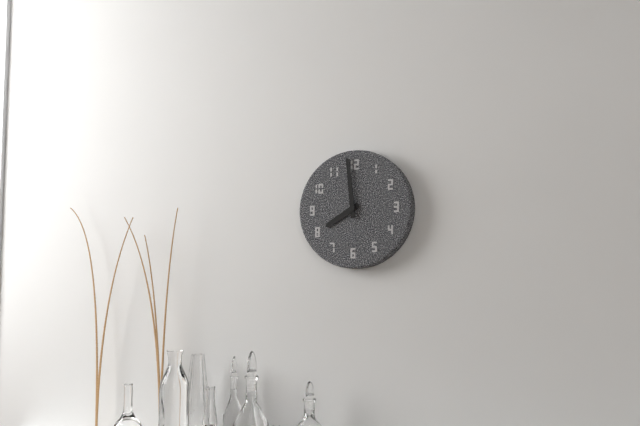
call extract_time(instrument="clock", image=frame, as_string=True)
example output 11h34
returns 7h59
